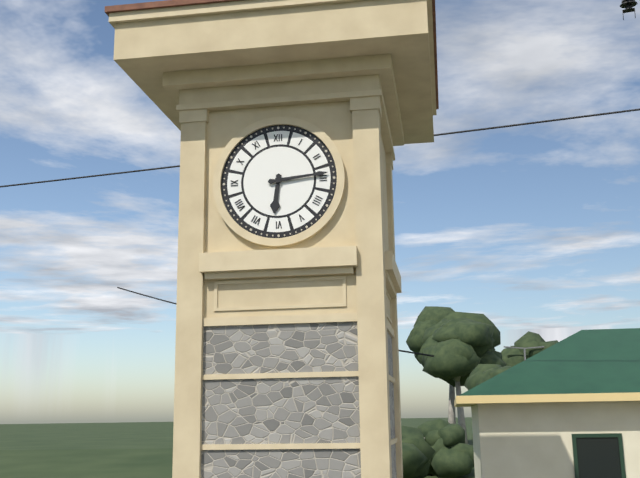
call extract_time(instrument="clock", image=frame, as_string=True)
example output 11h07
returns 6h14
